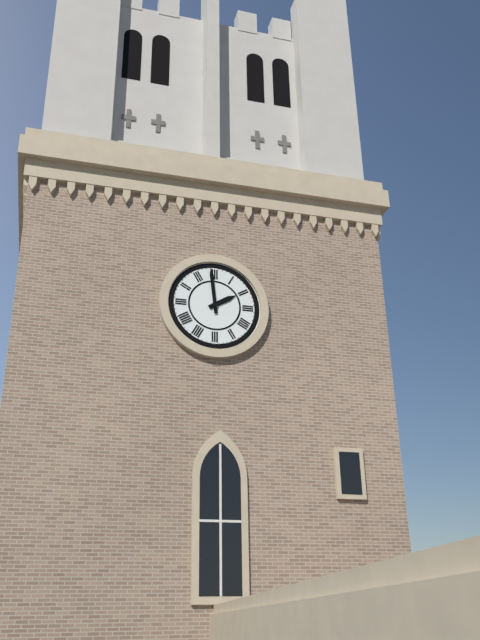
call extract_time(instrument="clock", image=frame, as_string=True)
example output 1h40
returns 1h59
